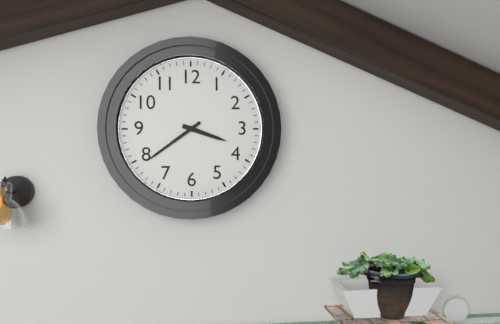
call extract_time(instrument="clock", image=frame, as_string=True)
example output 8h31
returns 3h39
